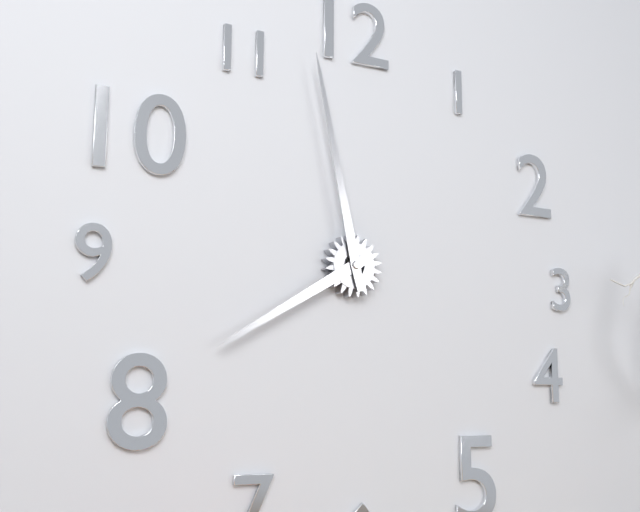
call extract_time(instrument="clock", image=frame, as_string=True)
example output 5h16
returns 7h58
